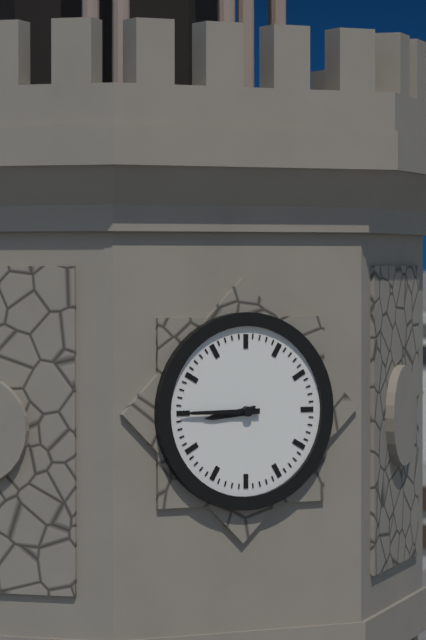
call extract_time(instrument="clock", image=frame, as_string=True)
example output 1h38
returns 8h45
